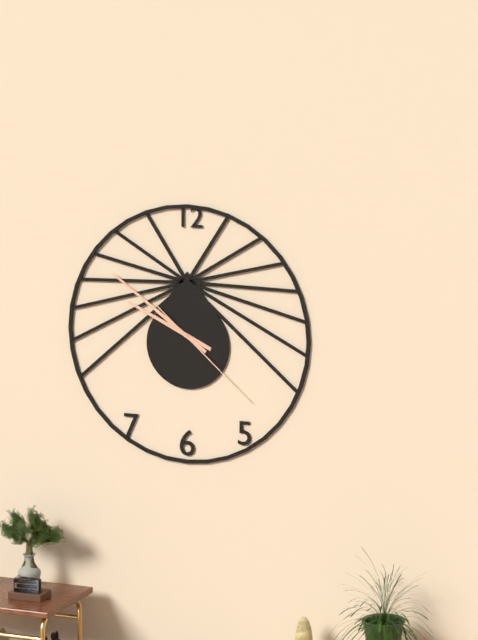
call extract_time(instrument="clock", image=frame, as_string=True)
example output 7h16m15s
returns 9h51m22s
